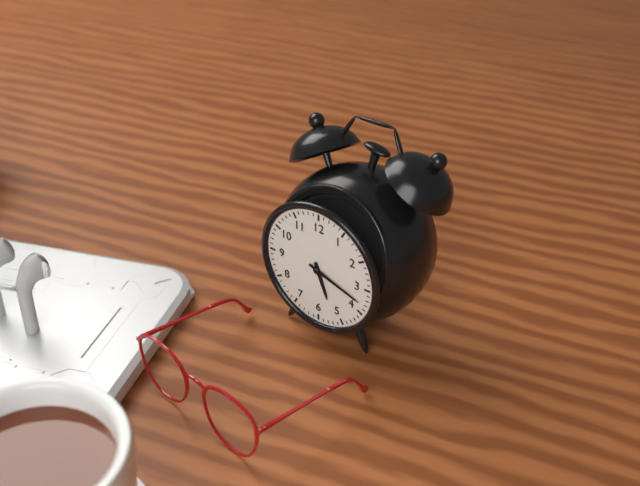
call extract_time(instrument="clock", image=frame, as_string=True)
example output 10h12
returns 5h18
